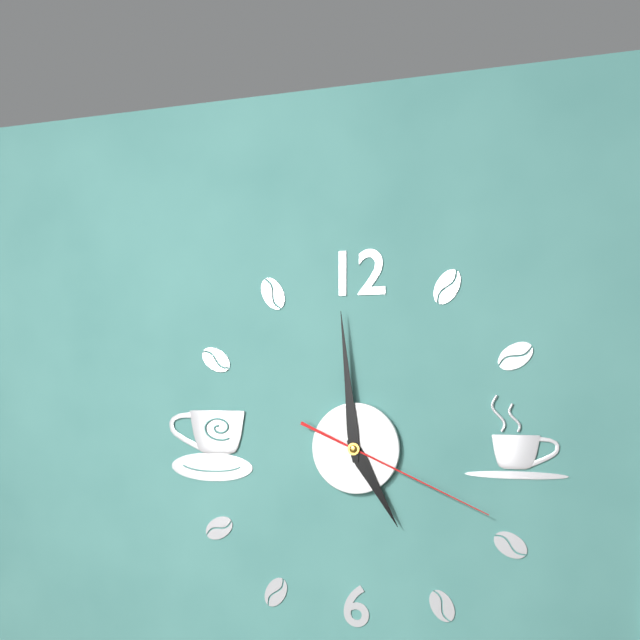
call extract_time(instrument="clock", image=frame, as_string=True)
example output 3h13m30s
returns 4h59m19s
